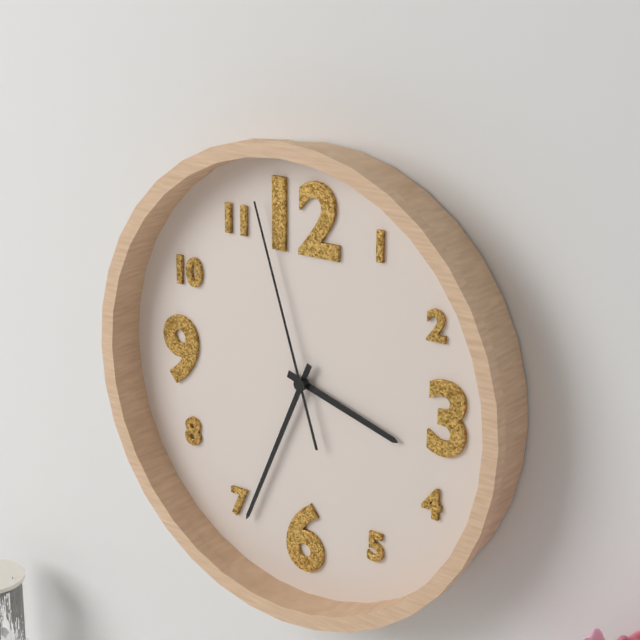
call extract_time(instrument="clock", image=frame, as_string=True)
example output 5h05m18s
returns 3h34m57s
